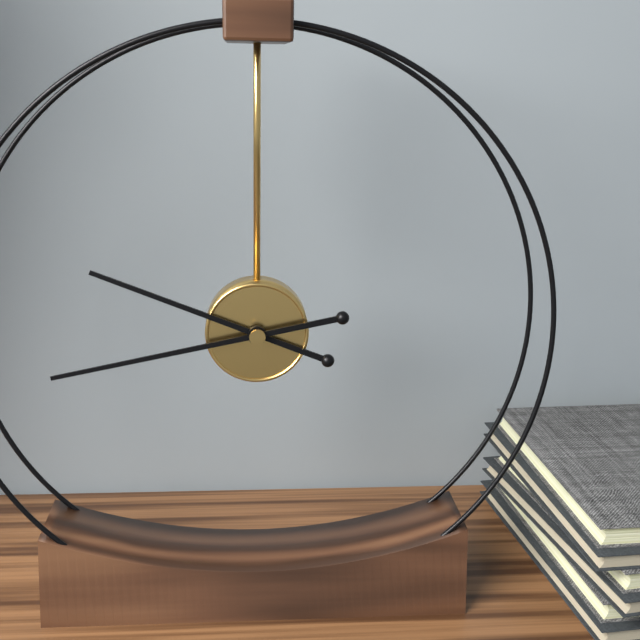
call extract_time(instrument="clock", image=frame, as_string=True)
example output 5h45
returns 9h43
